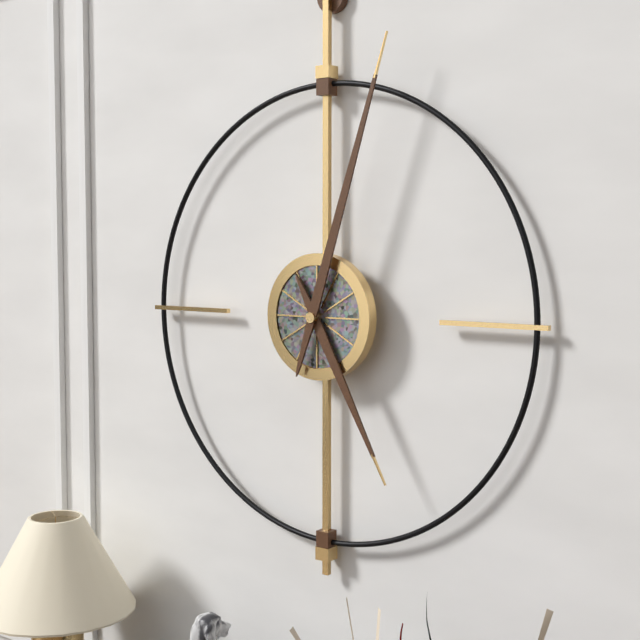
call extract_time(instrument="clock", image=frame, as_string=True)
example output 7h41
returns 5h03
